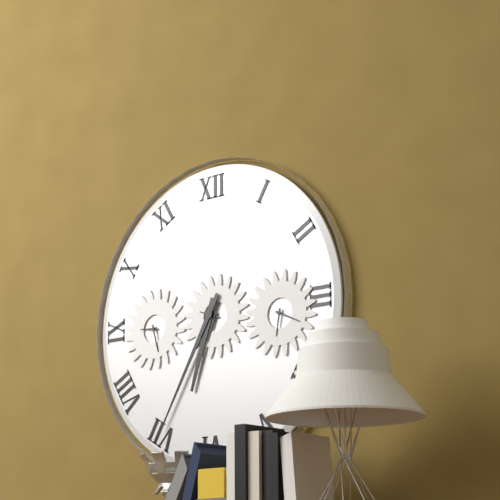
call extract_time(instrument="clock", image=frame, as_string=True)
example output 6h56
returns 6h35
